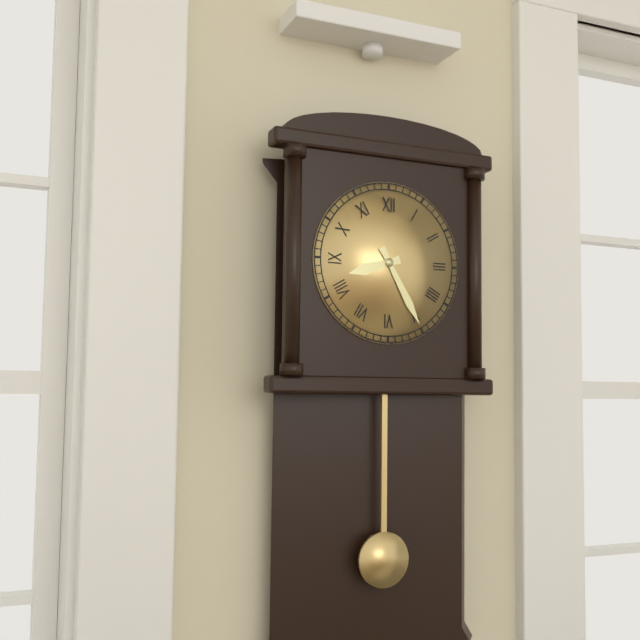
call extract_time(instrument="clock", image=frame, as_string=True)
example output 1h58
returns 8h25
